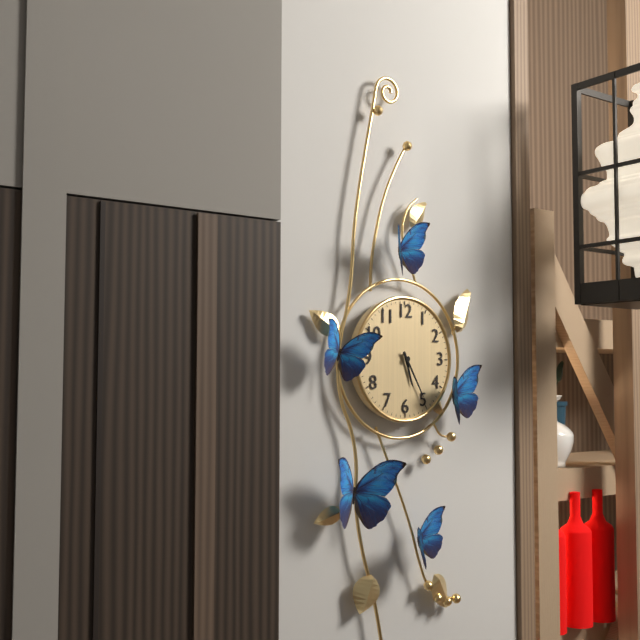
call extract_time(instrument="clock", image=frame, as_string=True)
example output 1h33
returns 5h25
